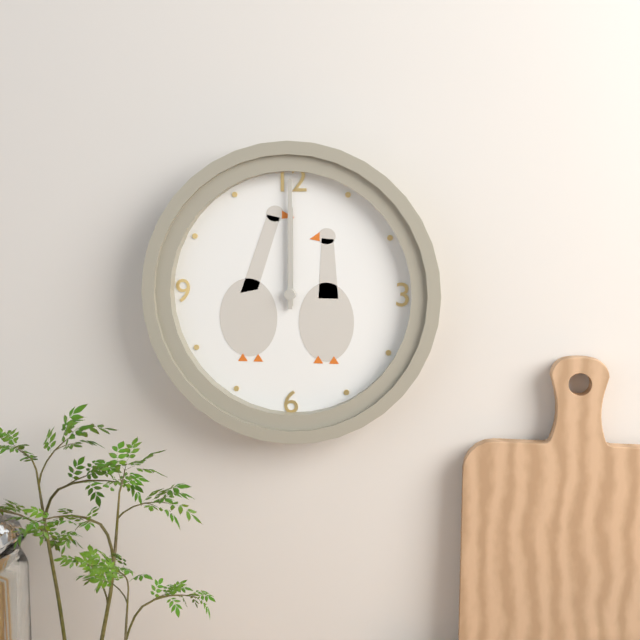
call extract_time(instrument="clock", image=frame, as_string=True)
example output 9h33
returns 12h00
